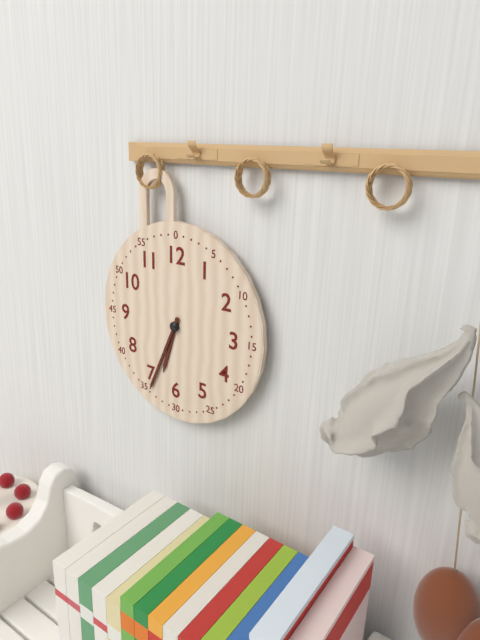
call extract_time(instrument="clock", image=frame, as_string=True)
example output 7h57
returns 6h34
